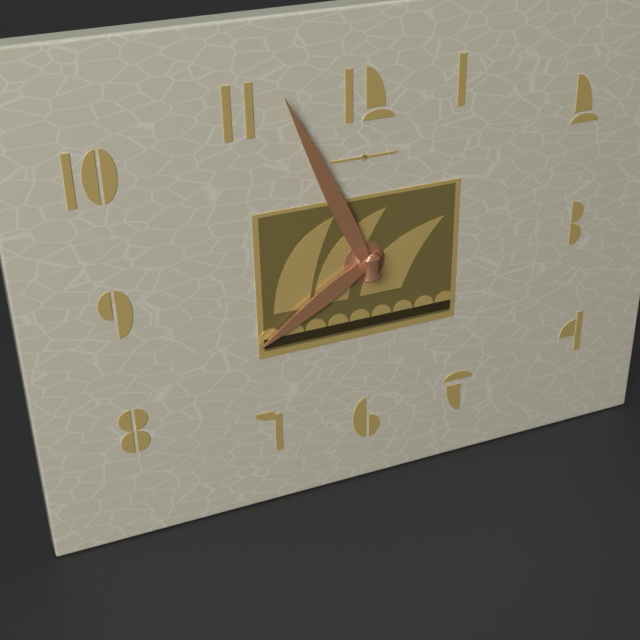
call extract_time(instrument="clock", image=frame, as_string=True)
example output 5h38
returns 7h56
